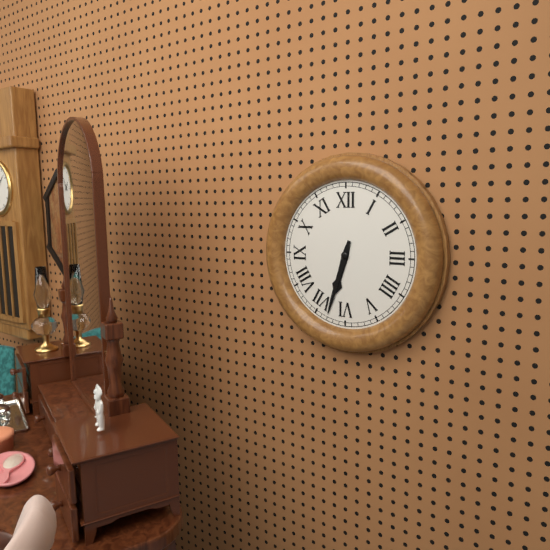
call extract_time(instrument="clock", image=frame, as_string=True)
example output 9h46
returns 6h33
